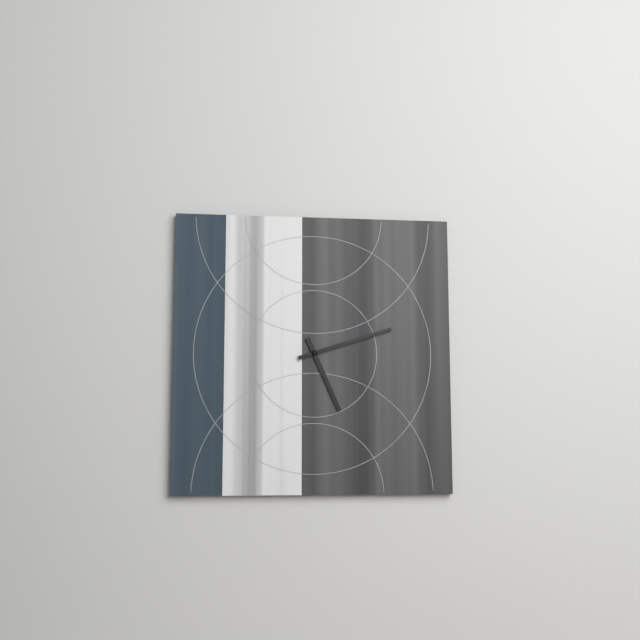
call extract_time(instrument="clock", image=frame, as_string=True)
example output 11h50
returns 5h12
